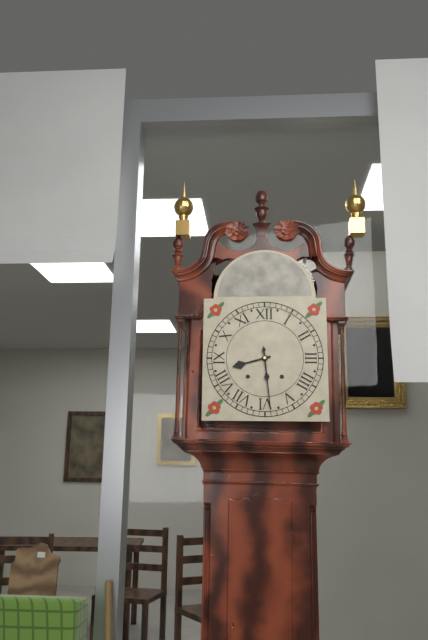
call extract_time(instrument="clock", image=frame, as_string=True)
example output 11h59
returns 8h29
